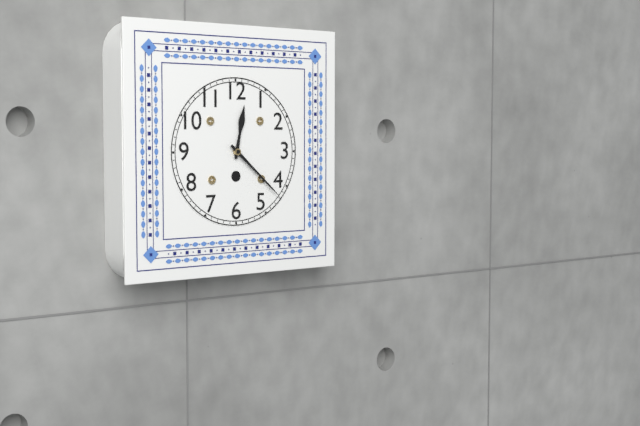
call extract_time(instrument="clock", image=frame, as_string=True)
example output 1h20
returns 12h22
